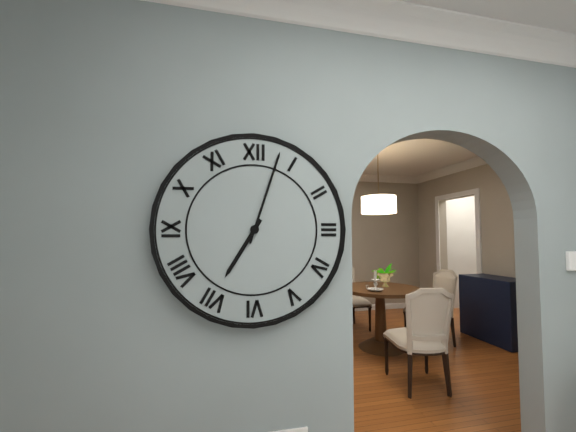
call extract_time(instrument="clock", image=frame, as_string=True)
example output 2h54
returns 7h03
